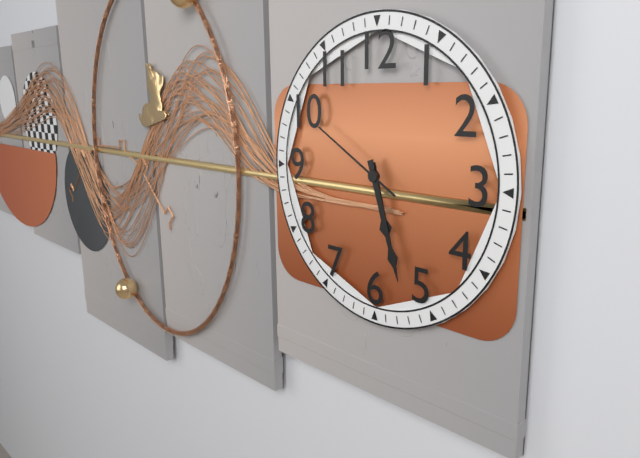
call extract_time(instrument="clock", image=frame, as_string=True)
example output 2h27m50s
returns 5h27m50s
